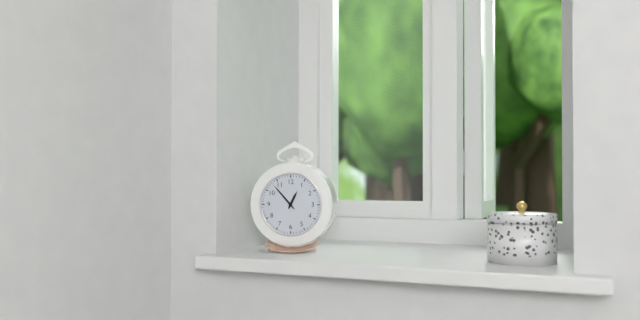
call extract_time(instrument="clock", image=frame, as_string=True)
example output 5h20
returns 12h53
